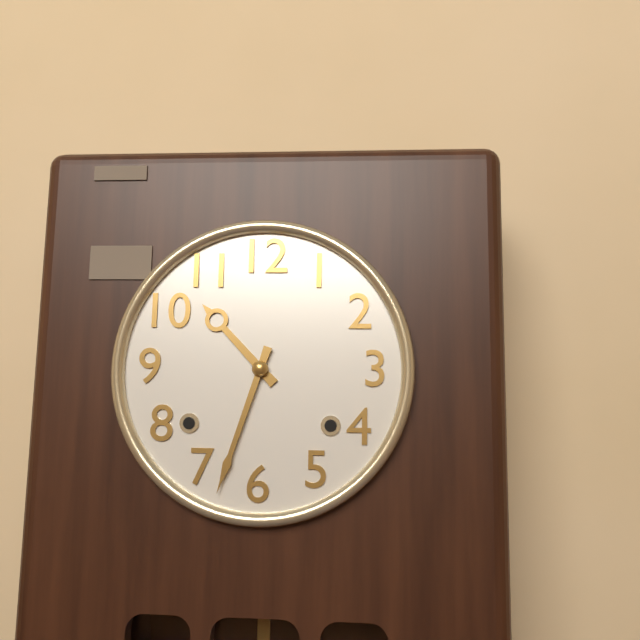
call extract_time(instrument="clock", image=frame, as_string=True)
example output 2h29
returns 10h33
